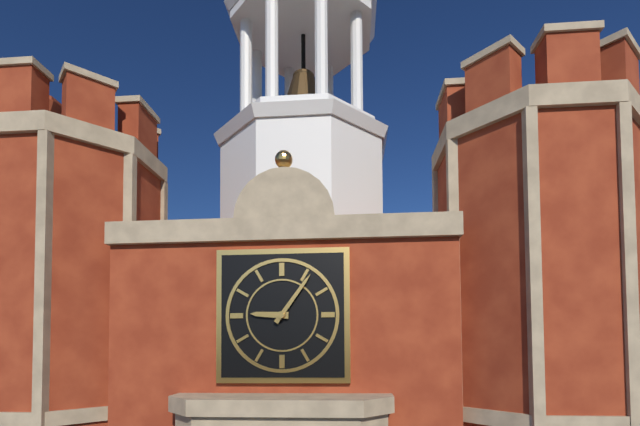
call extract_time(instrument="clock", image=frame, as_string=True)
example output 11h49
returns 9h06
